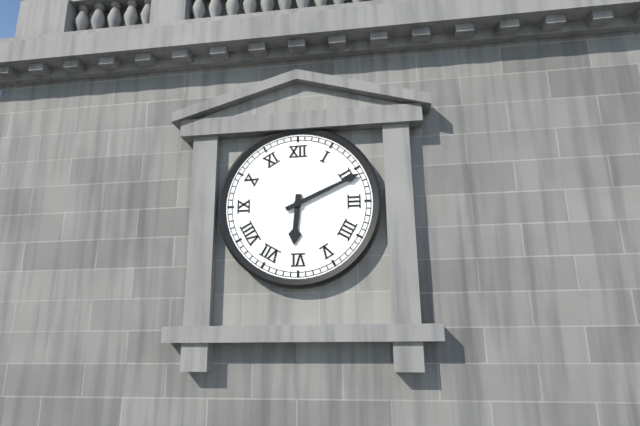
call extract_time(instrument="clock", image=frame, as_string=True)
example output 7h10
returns 6h11
